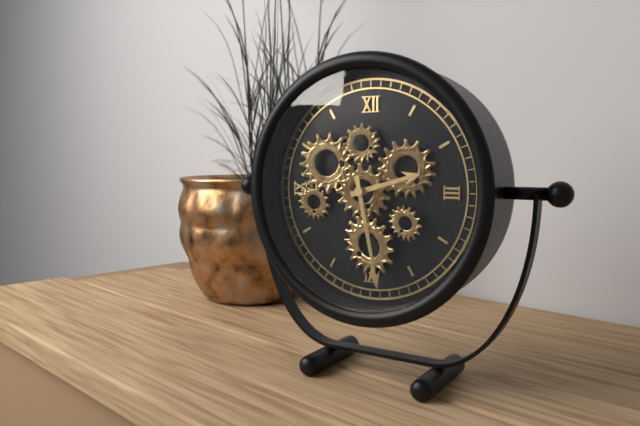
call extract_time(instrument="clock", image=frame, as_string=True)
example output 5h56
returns 2h28
